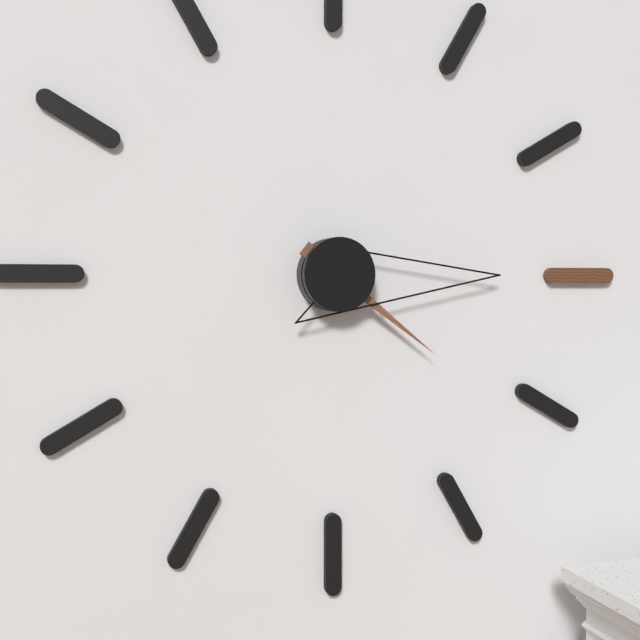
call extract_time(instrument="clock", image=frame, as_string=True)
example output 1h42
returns 4h15
